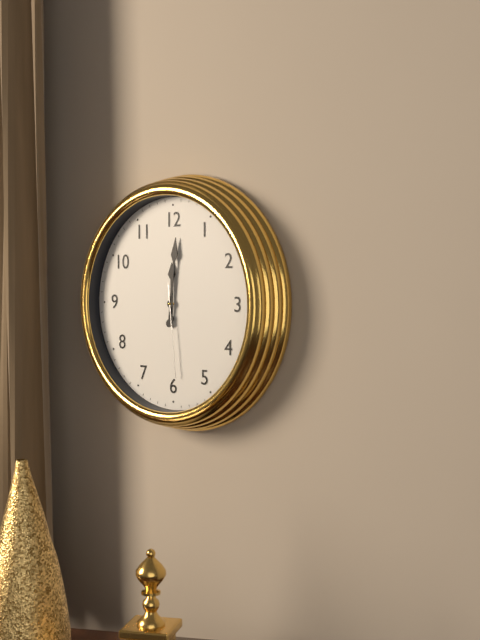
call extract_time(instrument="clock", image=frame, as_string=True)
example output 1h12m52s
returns 12h01m29s
